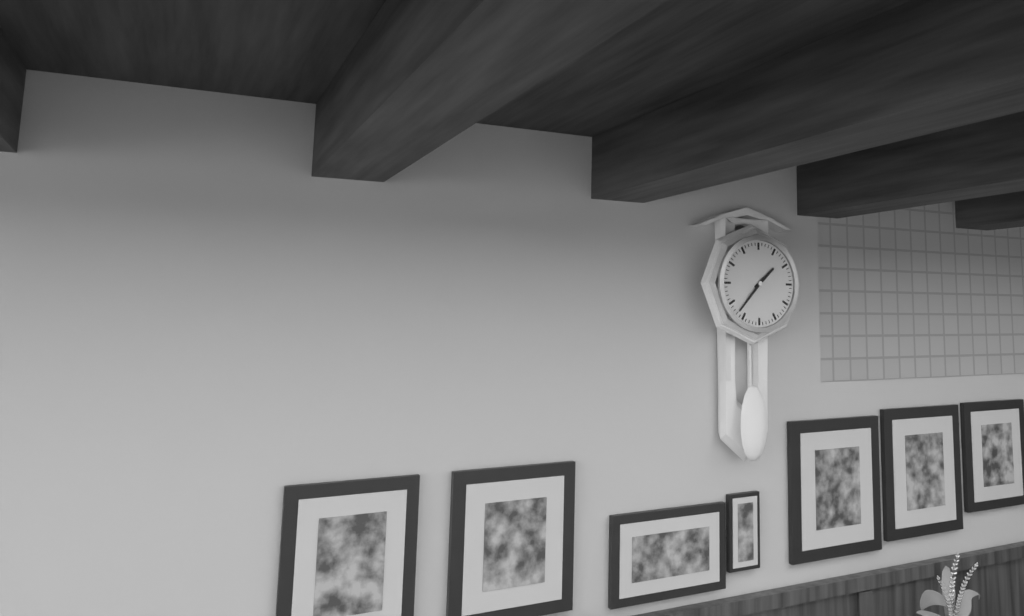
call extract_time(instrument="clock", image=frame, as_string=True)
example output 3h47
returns 1h37
